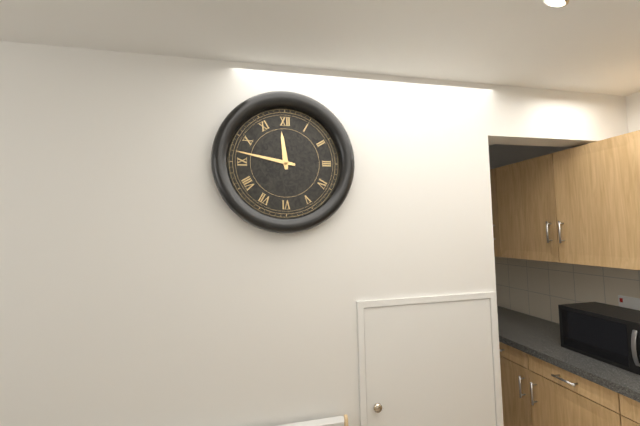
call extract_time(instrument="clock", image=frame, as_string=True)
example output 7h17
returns 11h47
